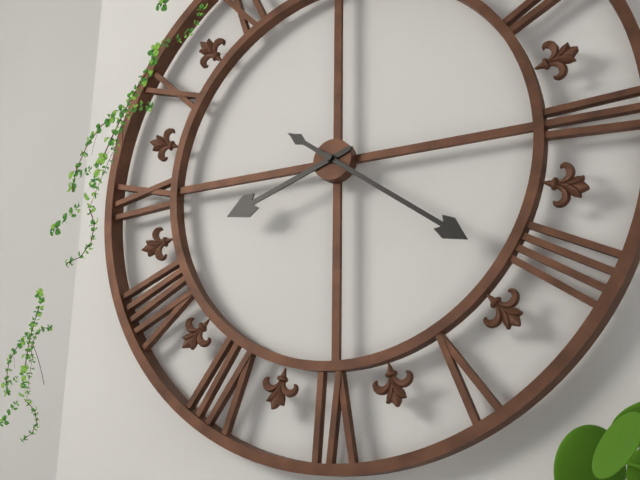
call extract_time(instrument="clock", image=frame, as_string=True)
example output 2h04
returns 8h21
